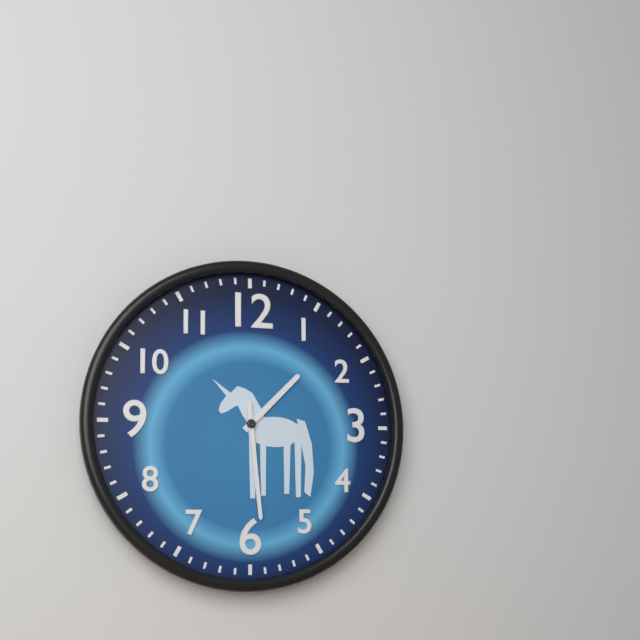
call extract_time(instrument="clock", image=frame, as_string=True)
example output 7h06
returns 1h29
